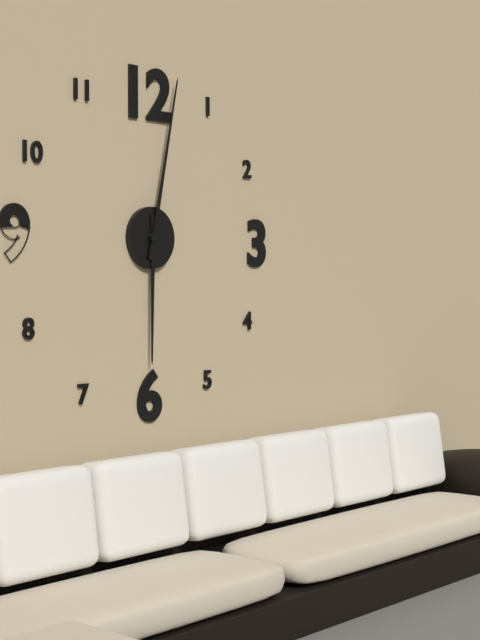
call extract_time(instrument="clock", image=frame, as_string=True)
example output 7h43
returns 6h02
